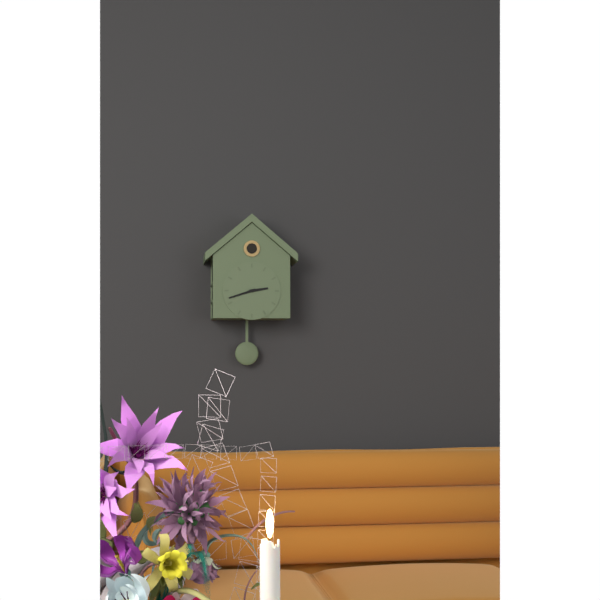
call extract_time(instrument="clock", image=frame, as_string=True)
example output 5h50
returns 2h42
